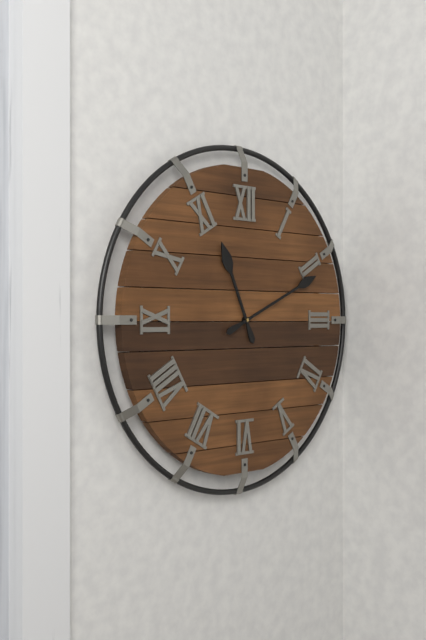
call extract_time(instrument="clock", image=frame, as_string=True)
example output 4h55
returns 11h11
